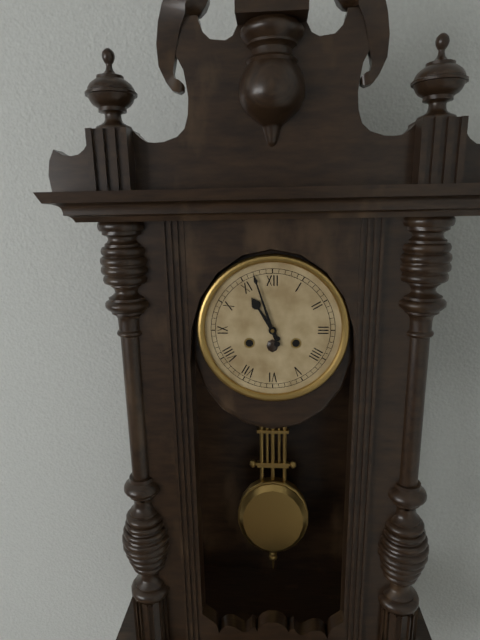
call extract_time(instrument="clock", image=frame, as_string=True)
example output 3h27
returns 10h57
